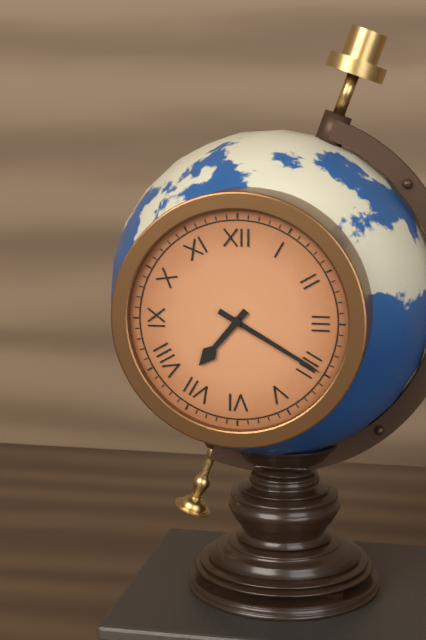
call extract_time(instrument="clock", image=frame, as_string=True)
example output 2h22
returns 7h20
